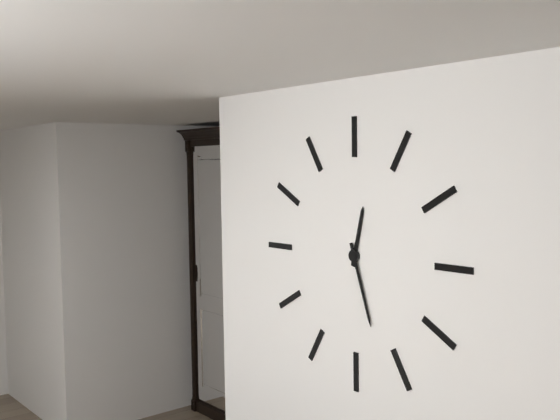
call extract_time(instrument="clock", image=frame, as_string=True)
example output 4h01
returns 12h27
